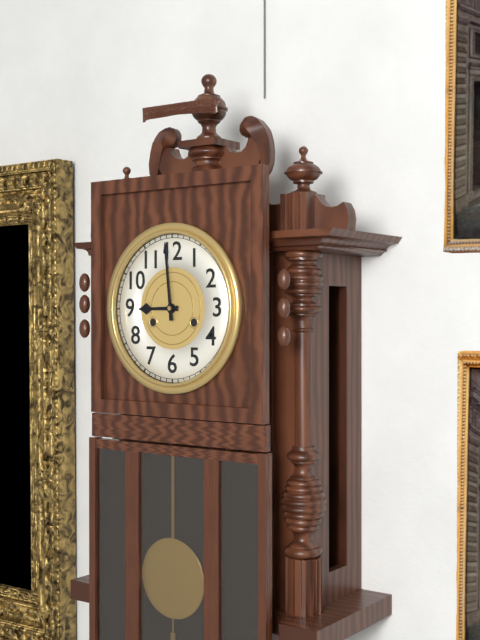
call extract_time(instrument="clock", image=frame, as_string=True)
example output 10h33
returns 8h59
